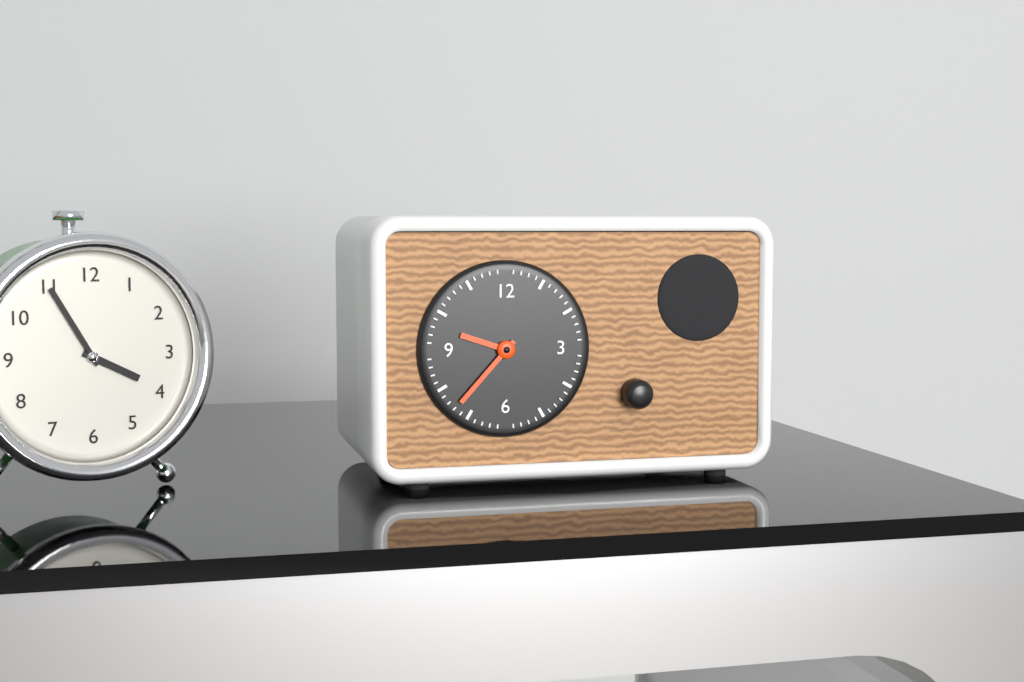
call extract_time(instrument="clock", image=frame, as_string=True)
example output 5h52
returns 9h37
